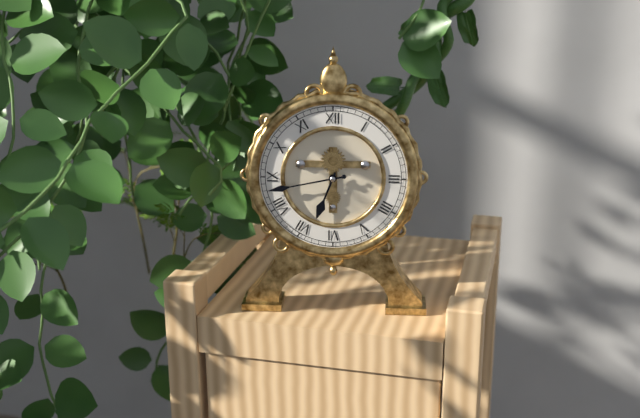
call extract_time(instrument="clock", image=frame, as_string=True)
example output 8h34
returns 6h43
